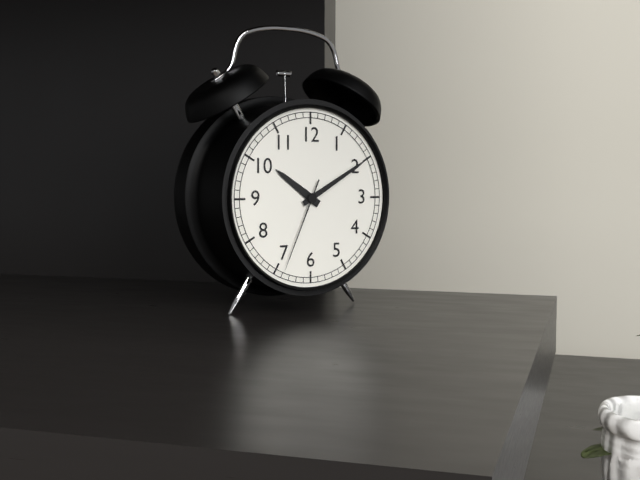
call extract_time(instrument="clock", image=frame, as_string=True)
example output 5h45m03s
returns 10h10m34s
